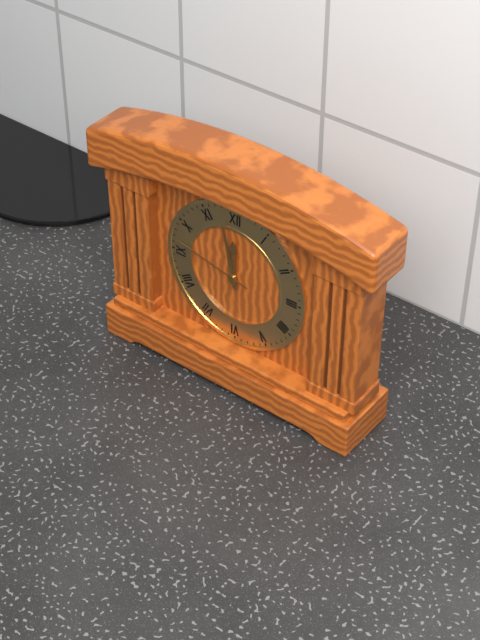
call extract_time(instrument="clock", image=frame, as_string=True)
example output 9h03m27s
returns 11h58m47s
